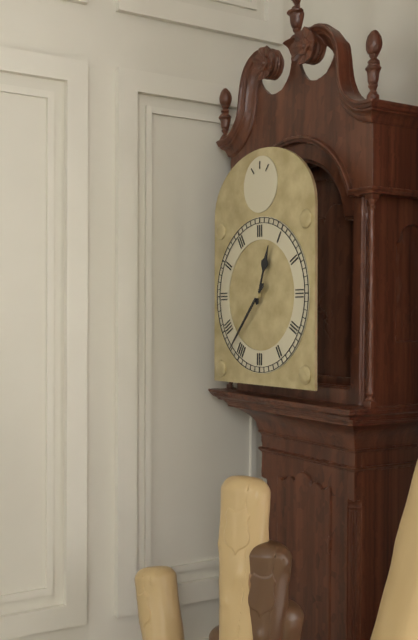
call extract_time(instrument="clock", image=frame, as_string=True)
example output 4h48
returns 12h37
